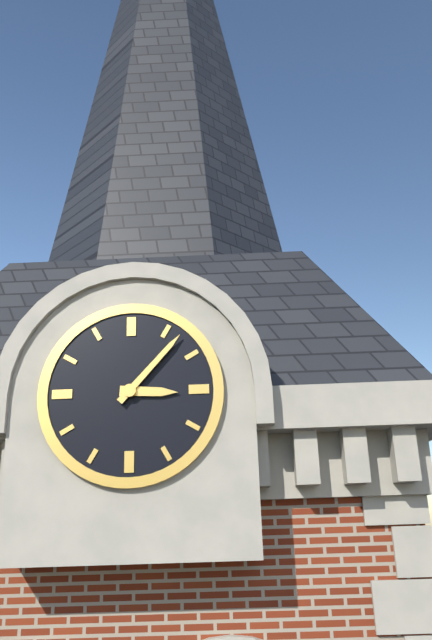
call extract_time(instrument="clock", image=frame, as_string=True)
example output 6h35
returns 3h07
